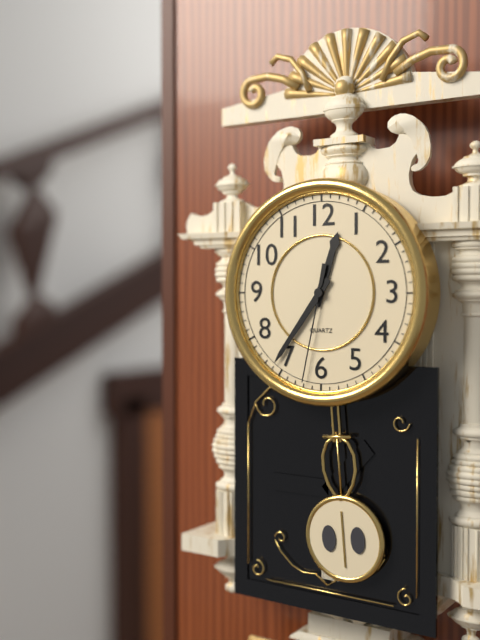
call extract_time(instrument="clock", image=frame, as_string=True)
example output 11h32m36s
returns 12h36m32s
